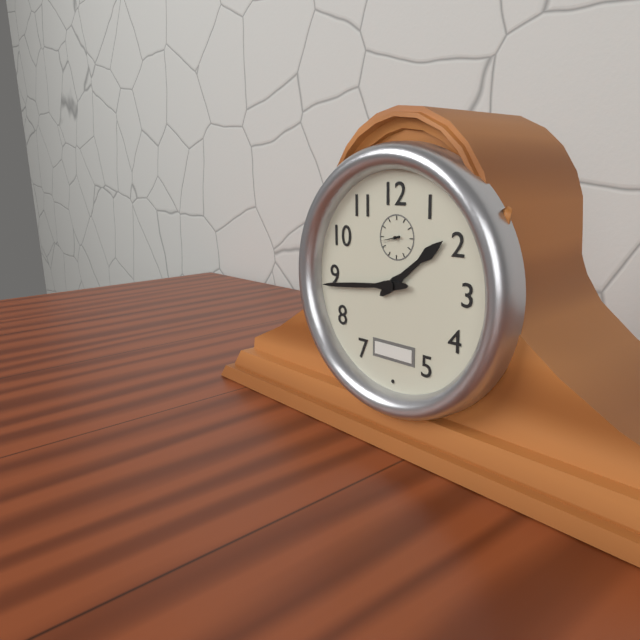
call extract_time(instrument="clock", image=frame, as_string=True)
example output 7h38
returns 1h44
